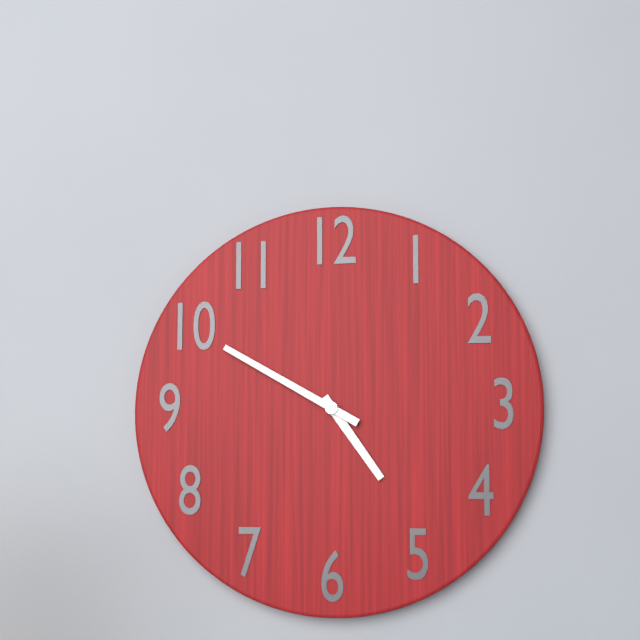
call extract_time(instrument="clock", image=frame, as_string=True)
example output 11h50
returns 4h50
